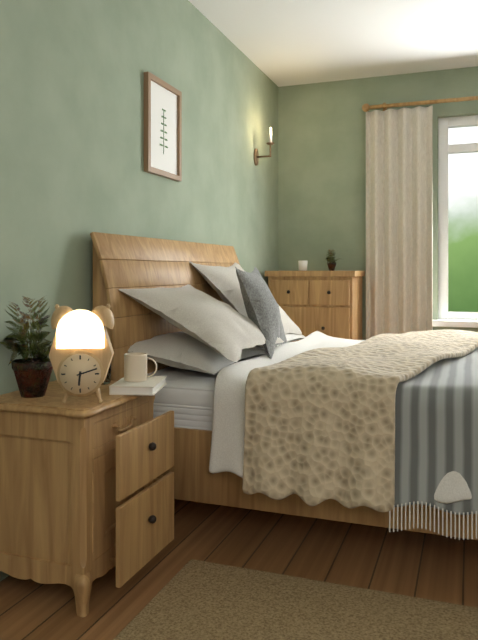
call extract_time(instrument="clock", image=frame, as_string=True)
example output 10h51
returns 6h12
